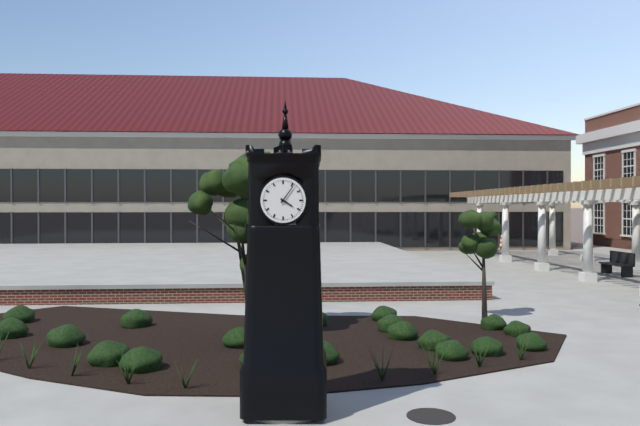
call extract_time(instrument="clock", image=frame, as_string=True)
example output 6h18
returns 4h06
